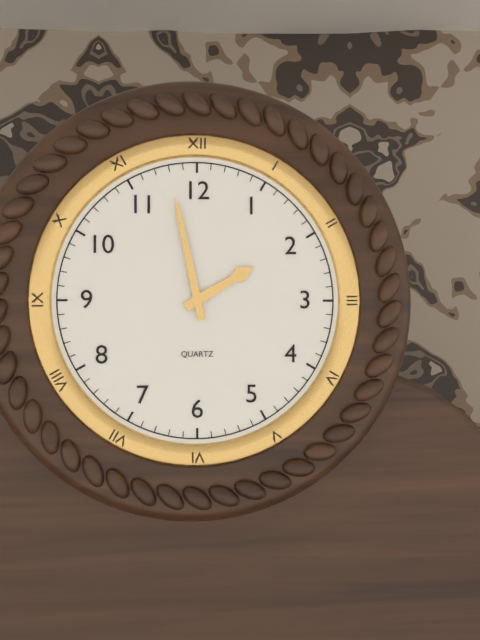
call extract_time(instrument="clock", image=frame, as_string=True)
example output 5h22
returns 1h58
